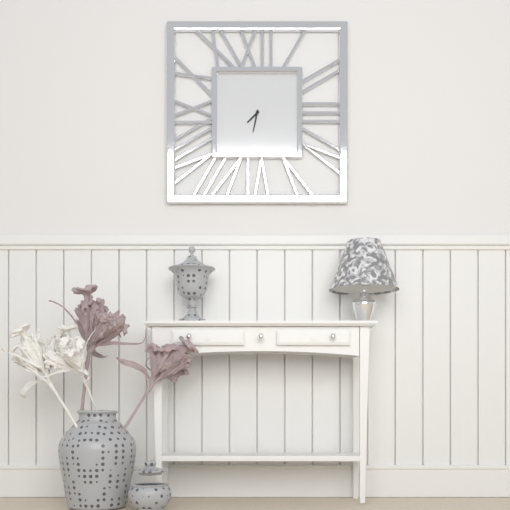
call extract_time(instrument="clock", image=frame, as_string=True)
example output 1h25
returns 7h32
